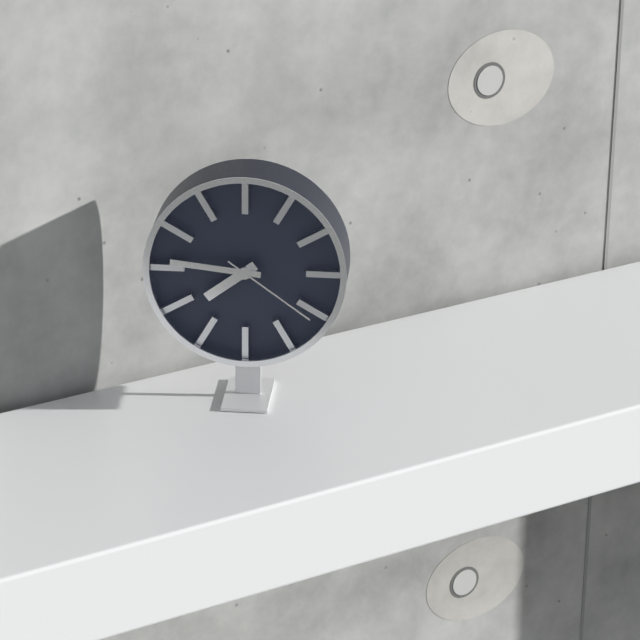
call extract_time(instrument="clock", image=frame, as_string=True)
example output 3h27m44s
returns 7h46m21s
